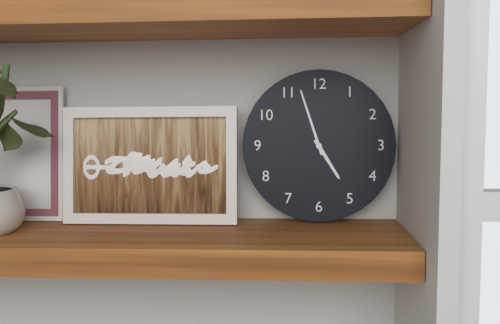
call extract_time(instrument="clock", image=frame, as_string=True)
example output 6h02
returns 4h57
